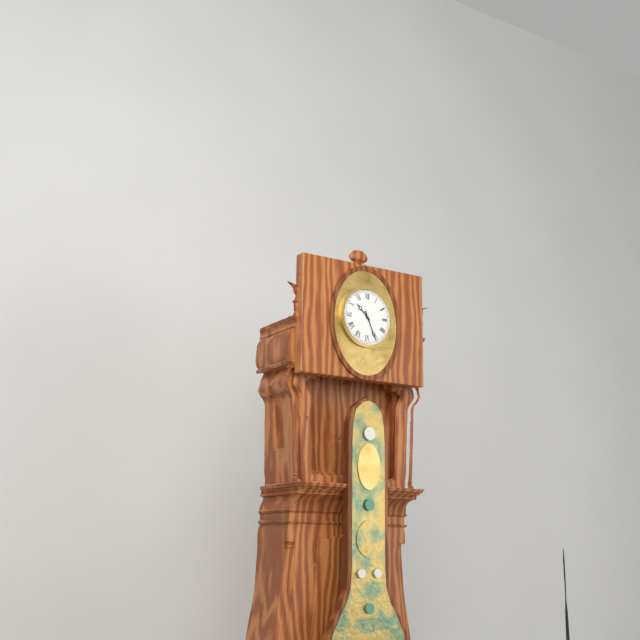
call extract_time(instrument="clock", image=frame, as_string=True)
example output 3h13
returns 10h26
